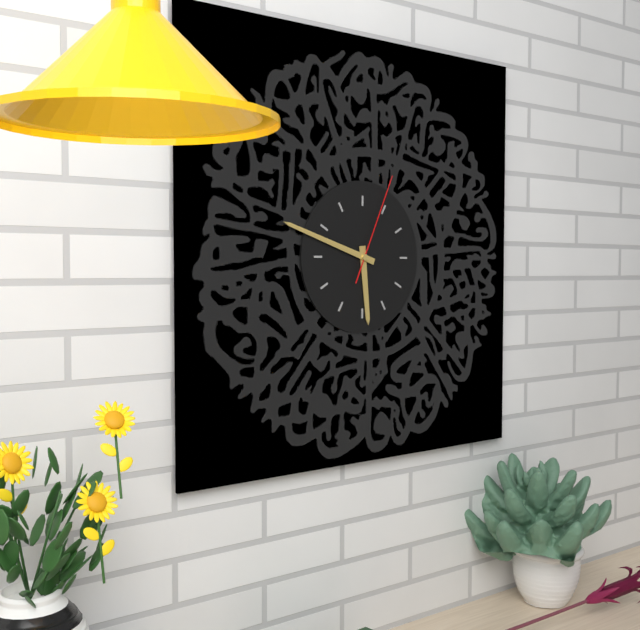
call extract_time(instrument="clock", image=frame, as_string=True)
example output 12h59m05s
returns 5h48m04s
